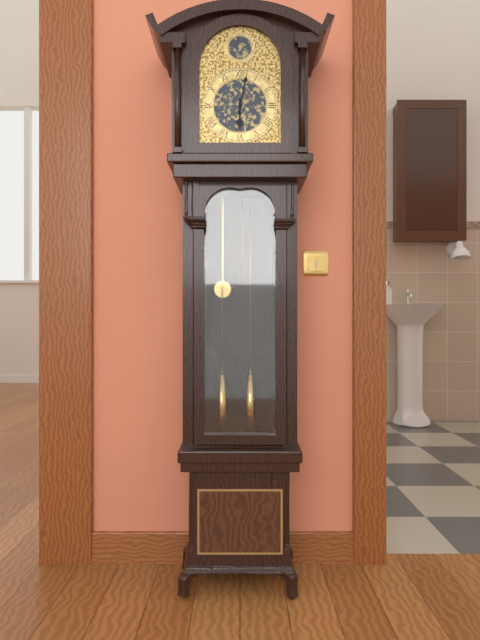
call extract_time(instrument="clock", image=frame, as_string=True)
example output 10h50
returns 6h02
